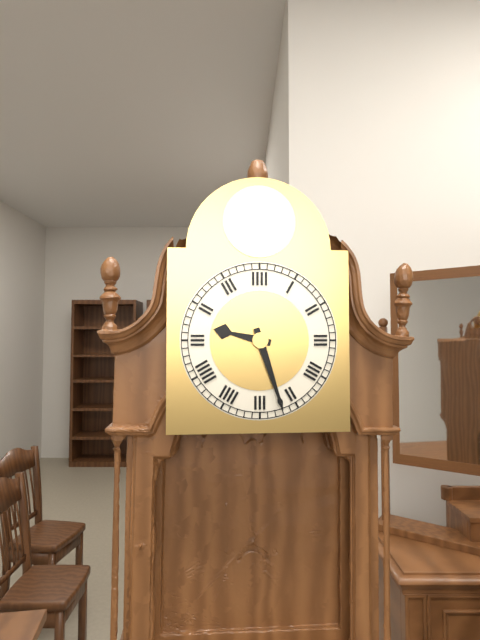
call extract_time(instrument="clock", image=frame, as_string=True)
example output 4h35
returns 9h27
